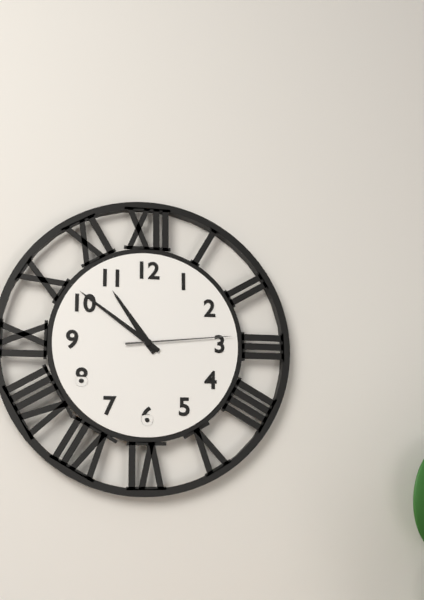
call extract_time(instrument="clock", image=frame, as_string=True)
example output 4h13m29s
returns 10h51m14s
